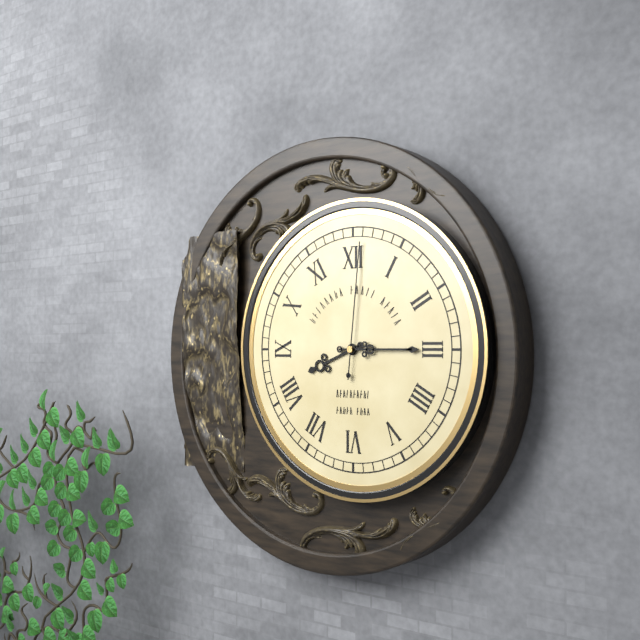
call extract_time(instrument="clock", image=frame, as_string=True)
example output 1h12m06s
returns 8h15m01s
